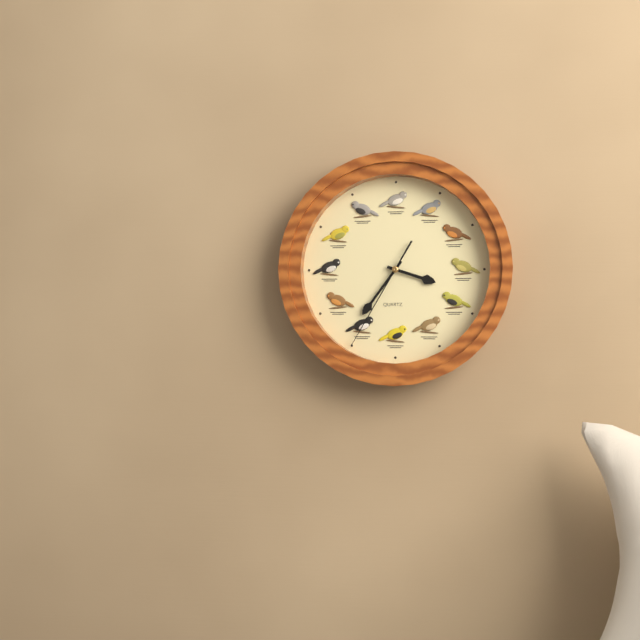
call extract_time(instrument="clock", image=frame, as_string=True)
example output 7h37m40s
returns 3h36m35s
